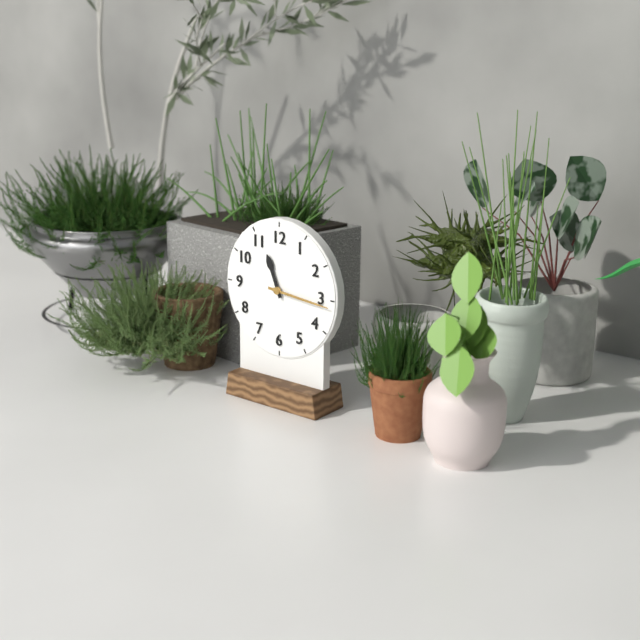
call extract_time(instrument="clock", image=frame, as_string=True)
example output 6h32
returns 11h16
